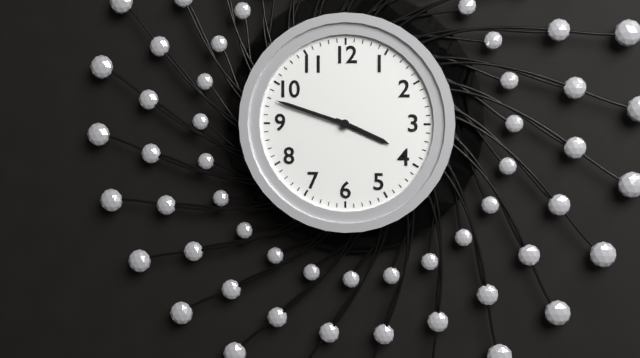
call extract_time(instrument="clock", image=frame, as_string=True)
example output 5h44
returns 3h48
